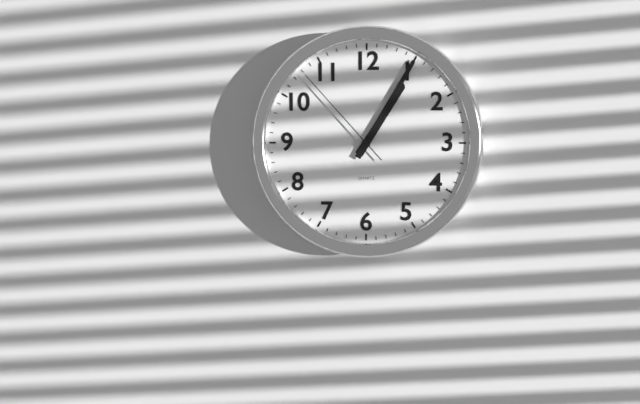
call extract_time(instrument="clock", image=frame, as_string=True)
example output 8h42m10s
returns 1h05m53s
